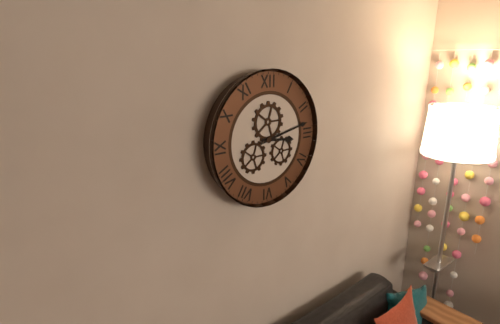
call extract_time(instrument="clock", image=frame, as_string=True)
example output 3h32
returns 3h13
